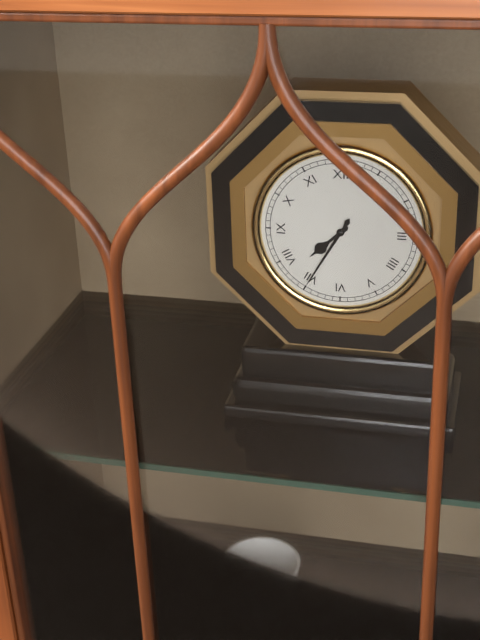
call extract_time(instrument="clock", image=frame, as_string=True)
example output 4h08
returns 7h35
